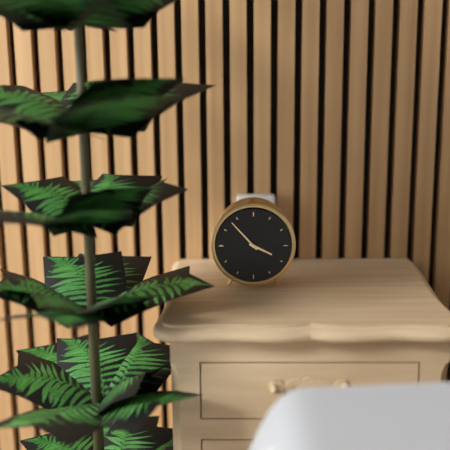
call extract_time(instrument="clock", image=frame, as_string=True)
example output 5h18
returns 3h53
